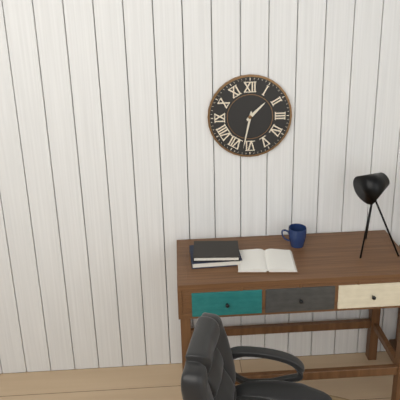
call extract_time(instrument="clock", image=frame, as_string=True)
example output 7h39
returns 1h32
